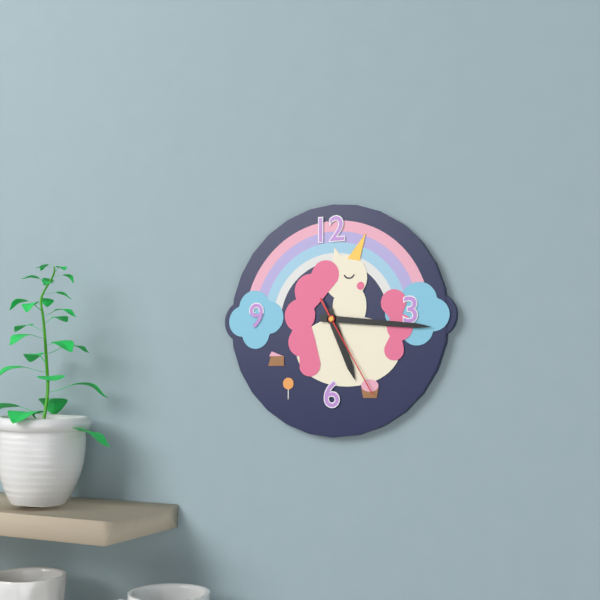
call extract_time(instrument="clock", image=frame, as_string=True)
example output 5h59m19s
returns 5h16m25s
